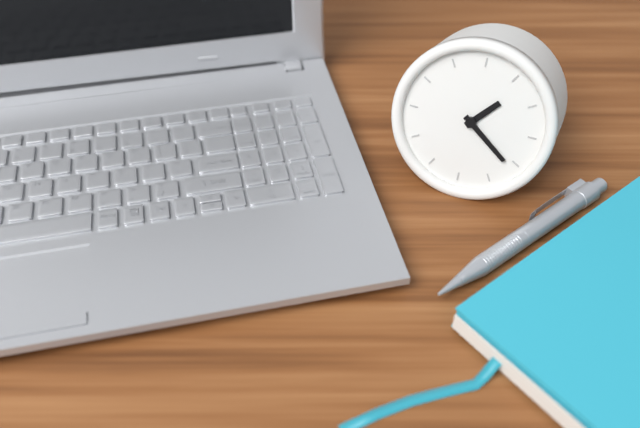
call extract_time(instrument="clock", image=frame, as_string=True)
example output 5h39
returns 1h21
